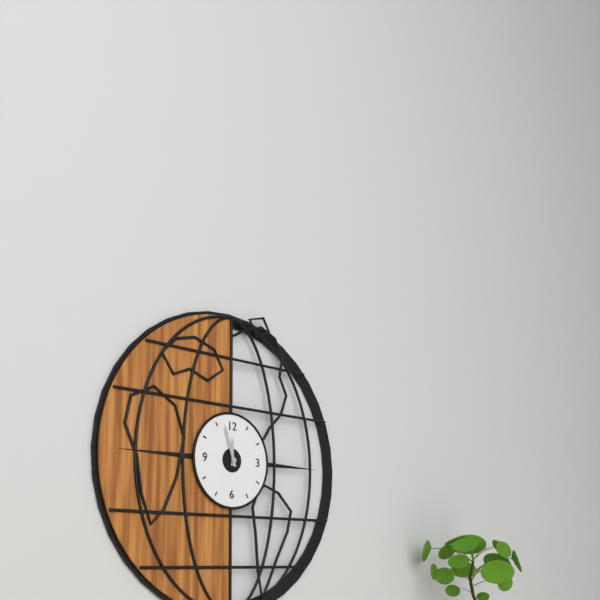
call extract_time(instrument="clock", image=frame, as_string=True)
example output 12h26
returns 11h57
